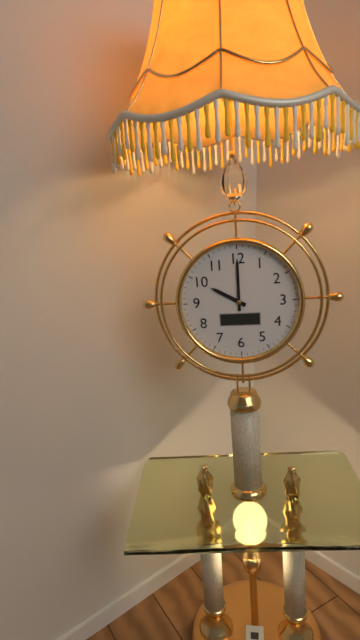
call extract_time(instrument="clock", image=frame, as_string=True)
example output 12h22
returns 10h00
